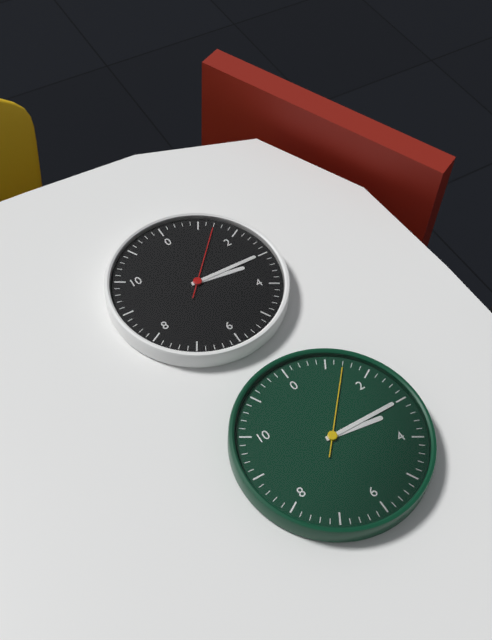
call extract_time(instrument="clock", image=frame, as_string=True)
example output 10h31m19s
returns 3h15m07s
